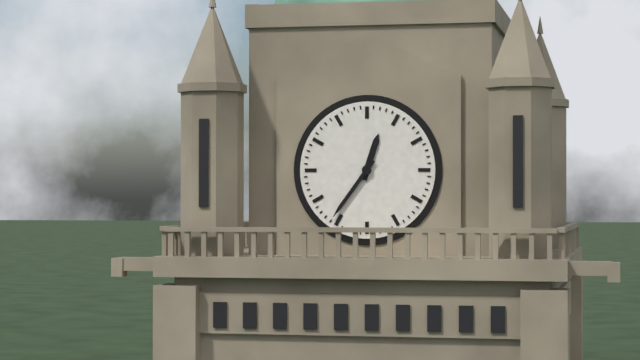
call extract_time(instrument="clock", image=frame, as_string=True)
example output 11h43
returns 12h36
